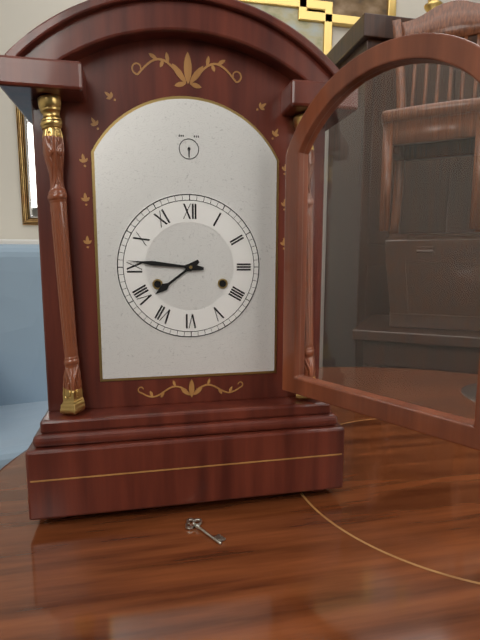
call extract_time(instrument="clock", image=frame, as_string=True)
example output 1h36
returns 7h46
